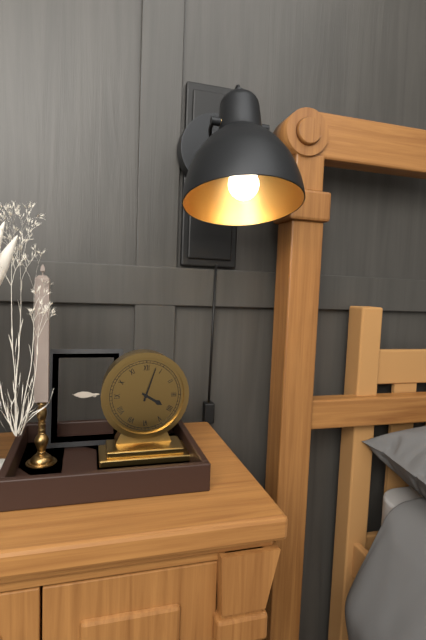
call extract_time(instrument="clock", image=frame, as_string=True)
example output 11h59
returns 4h03
